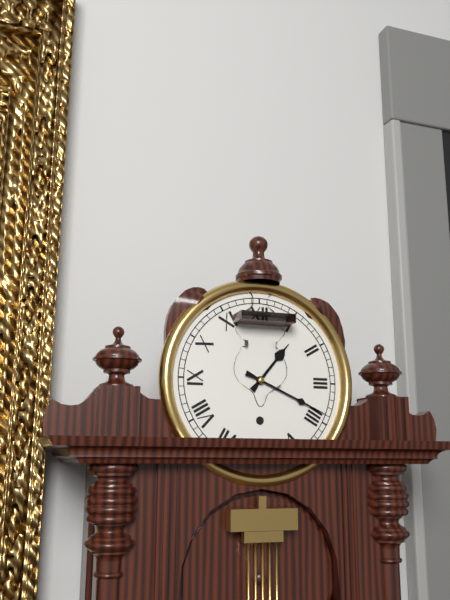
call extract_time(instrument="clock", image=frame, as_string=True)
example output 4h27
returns 1h19
